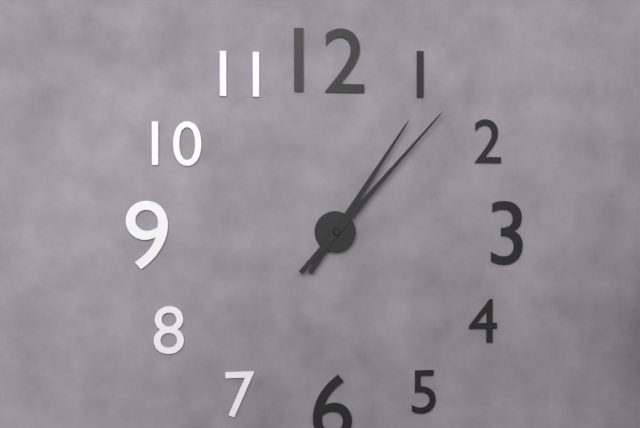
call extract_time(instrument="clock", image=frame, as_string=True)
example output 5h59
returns 1h07
